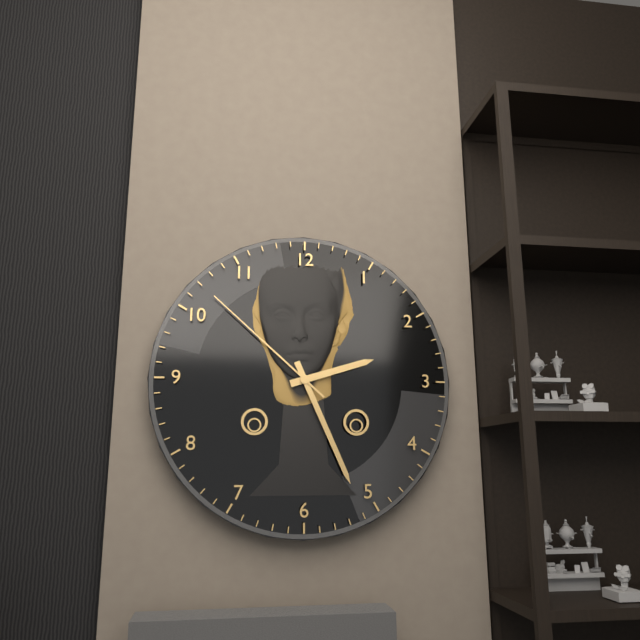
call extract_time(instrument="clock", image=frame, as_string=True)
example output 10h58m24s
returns 2h26m52s
